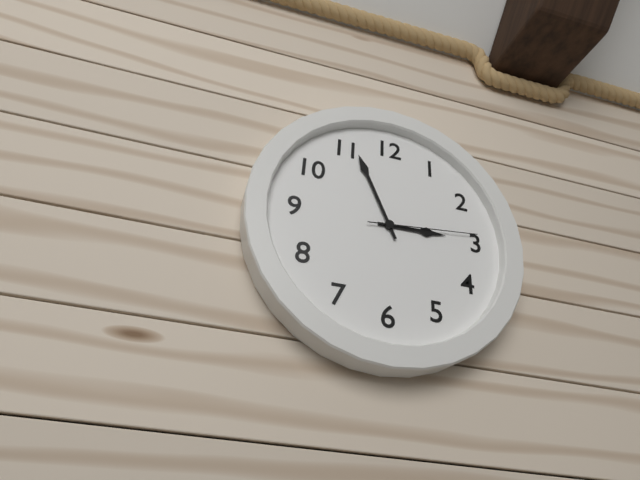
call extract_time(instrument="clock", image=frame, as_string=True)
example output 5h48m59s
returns 2h56m14s
